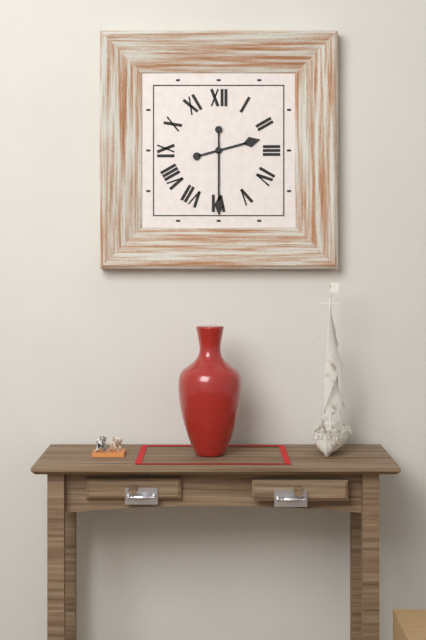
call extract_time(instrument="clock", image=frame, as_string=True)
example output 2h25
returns 2h30
